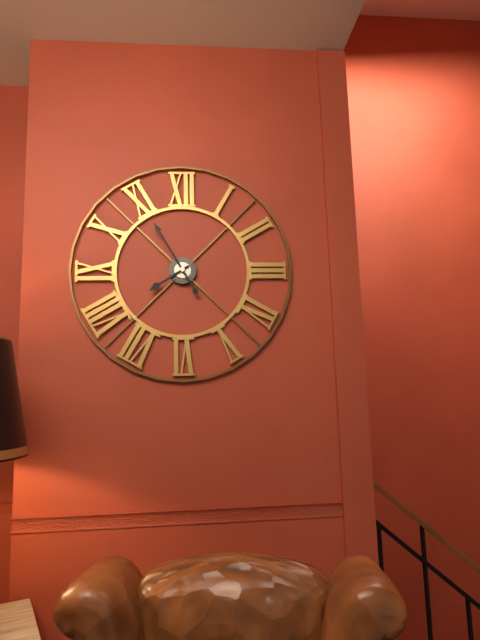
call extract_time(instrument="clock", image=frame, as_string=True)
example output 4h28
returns 7h55
